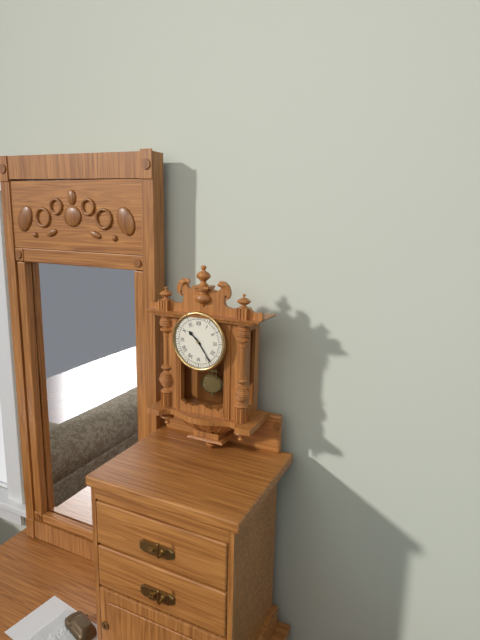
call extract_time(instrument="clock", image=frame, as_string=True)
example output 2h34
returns 10h24
